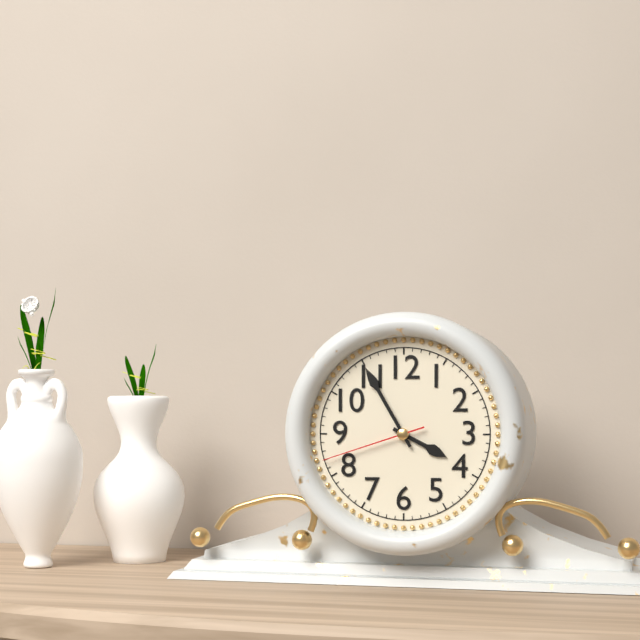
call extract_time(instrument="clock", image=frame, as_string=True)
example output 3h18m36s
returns 3h55m42s
